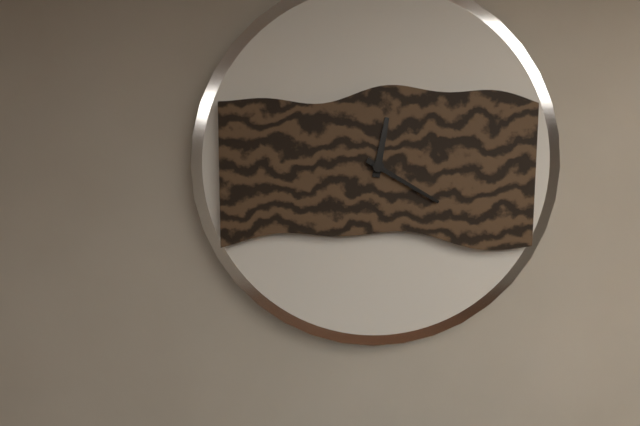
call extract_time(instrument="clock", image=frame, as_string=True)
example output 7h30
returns 12h20
